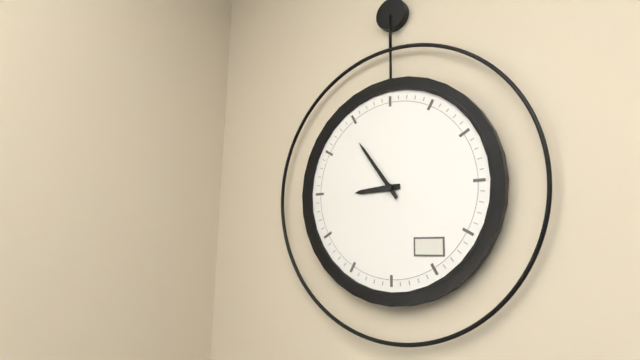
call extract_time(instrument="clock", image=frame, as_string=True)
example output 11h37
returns 8h54
